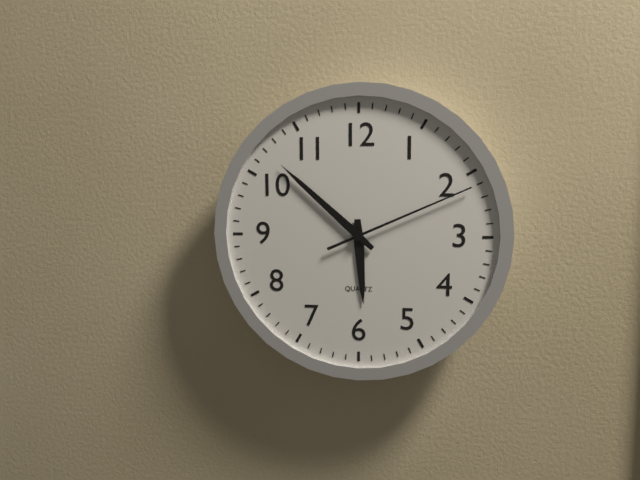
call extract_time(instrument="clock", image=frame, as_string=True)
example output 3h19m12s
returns 5h52m11s
